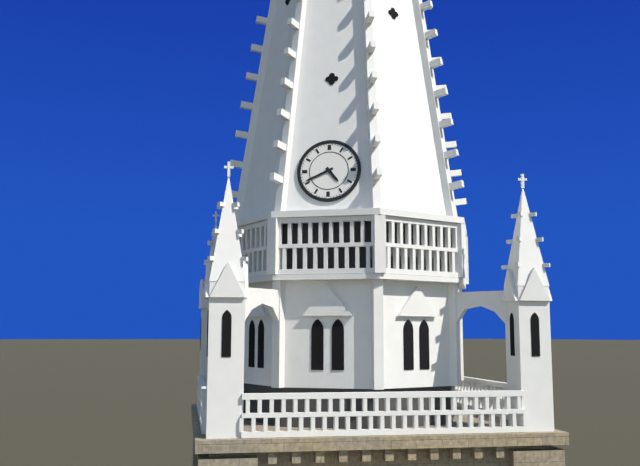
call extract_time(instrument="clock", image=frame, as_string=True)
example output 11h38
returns 4h41
